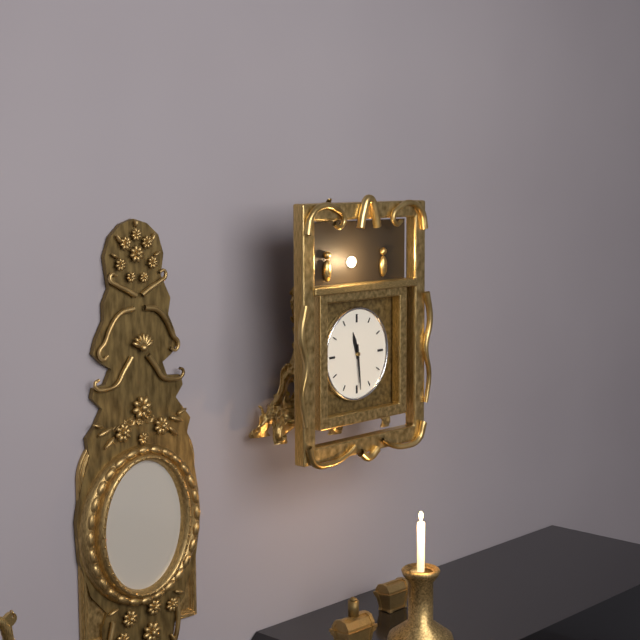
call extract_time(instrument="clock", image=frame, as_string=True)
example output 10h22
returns 11h29
